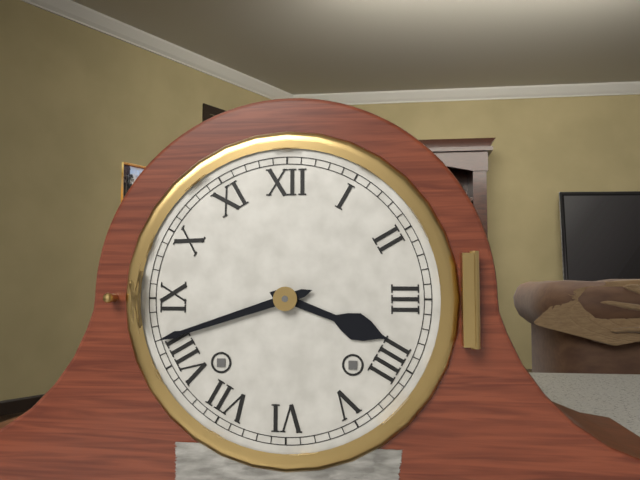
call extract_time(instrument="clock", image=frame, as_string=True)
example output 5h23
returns 3h42
